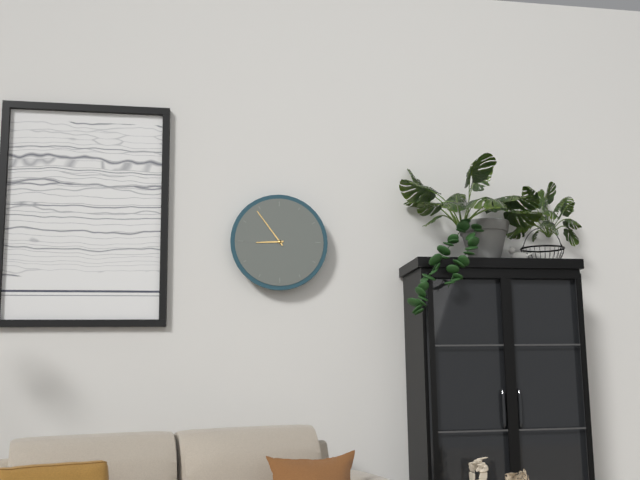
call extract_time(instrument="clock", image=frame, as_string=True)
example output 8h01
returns 8h54
